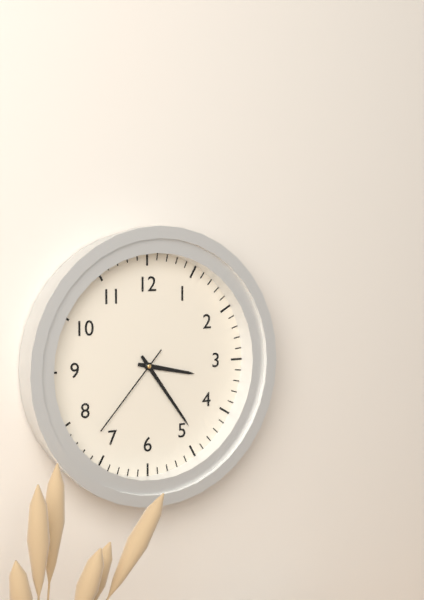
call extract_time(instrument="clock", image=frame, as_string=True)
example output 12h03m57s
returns 3h24m37s
